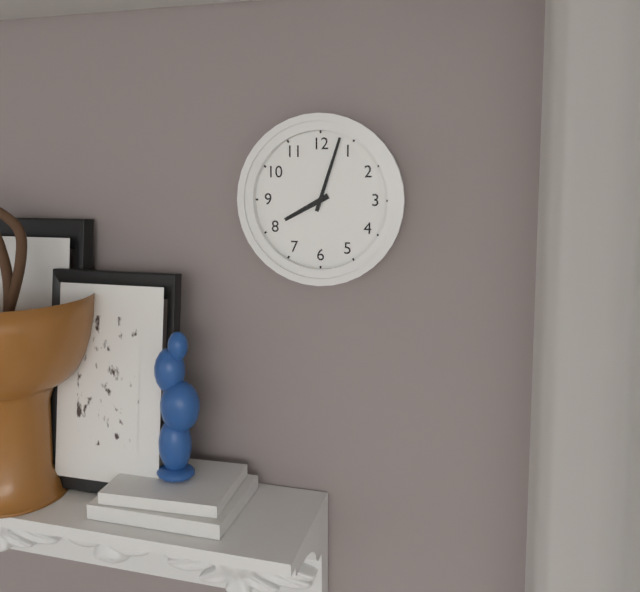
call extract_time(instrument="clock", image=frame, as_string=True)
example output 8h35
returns 8h03
